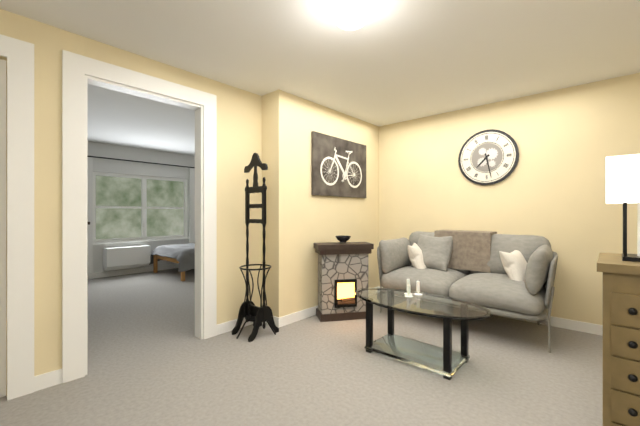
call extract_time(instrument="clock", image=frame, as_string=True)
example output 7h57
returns 7h28
